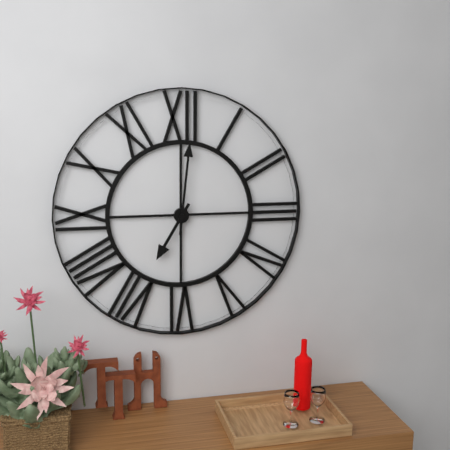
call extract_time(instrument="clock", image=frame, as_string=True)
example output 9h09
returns 7h01
